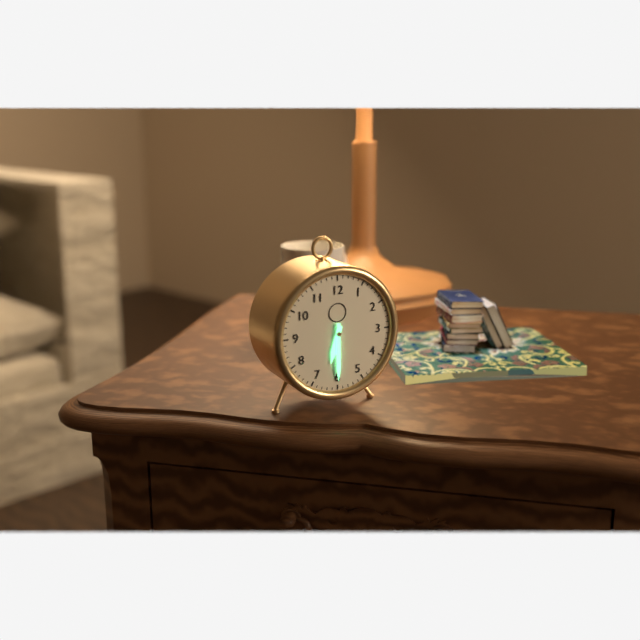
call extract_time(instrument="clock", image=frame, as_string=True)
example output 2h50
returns 6h30
